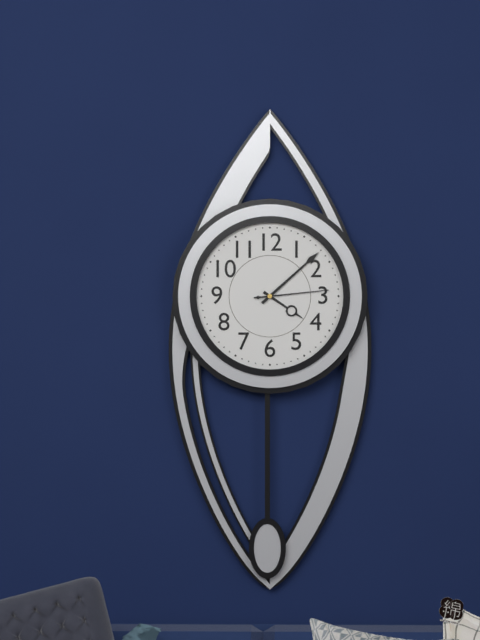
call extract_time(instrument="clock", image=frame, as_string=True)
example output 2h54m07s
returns 4h08m14s
